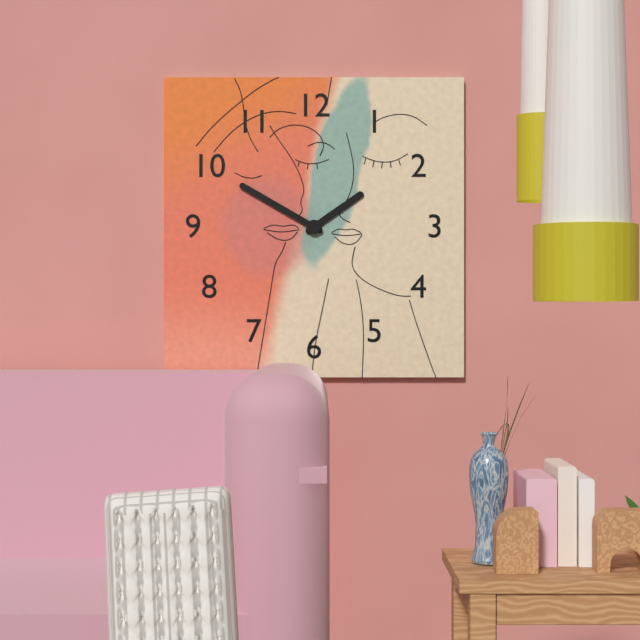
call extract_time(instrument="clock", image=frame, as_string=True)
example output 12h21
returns 1h50
